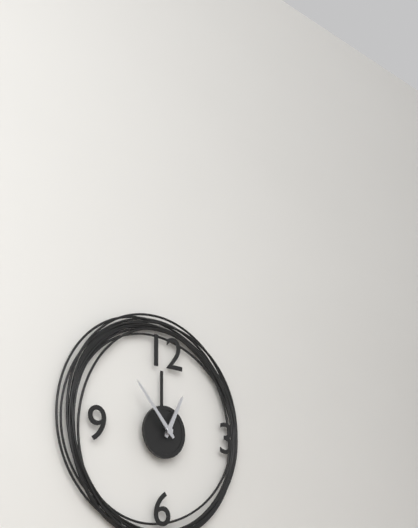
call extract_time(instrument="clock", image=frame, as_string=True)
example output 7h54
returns 12h53
